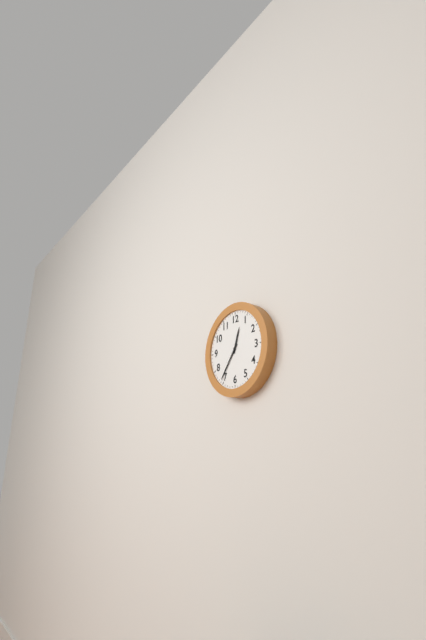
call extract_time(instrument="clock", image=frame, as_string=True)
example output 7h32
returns 12h36
